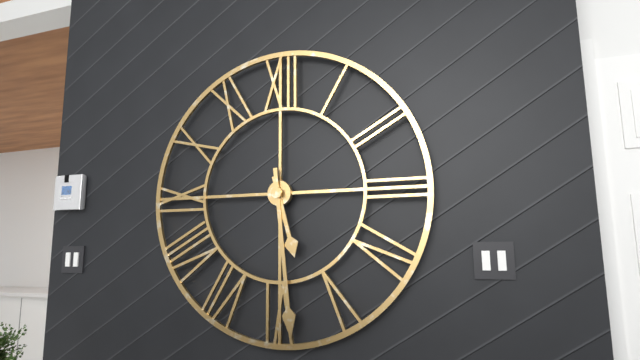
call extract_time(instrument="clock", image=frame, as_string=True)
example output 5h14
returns 5h29
